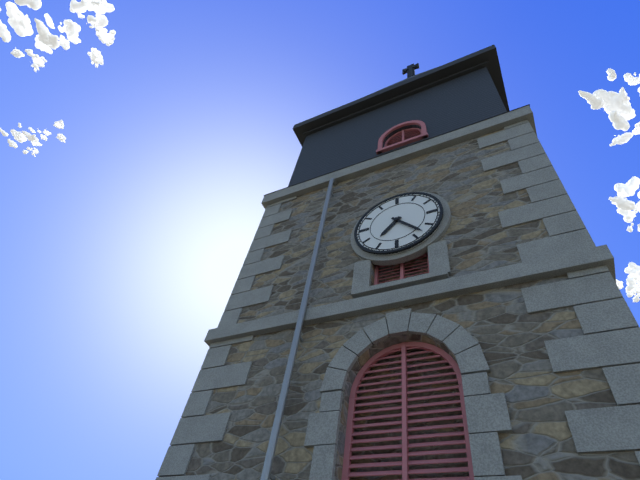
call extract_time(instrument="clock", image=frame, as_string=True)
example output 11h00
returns 7h23
